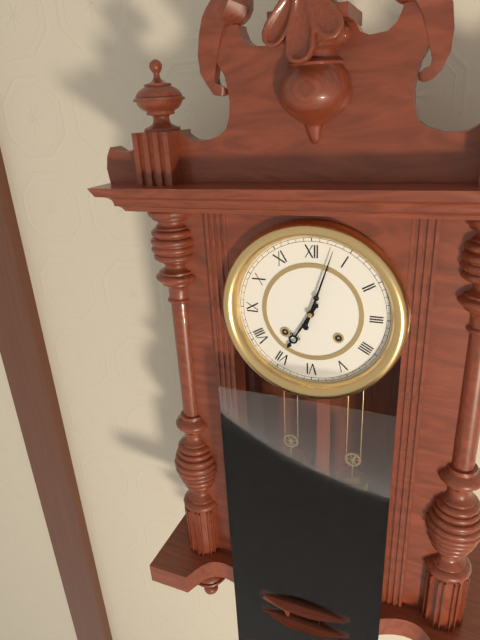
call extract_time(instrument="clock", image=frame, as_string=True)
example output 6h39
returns 7h03
